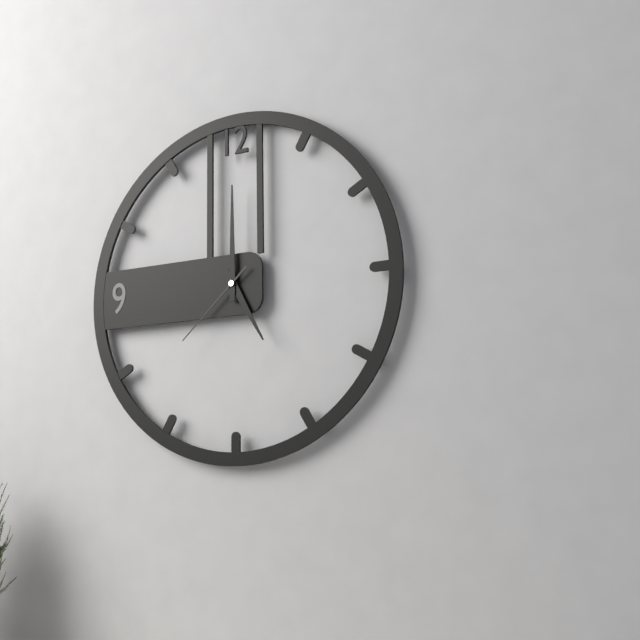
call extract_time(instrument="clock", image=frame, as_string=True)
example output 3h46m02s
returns 5h00m38s
